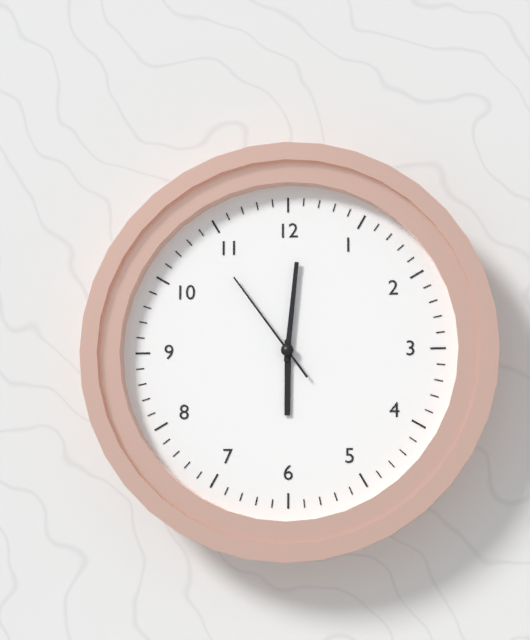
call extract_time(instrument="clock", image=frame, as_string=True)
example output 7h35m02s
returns 6h01m54s
